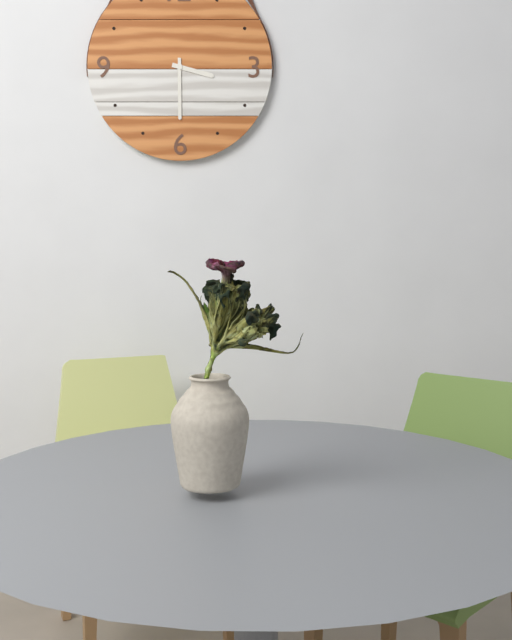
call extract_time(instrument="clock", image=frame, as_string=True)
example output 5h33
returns 3h30
